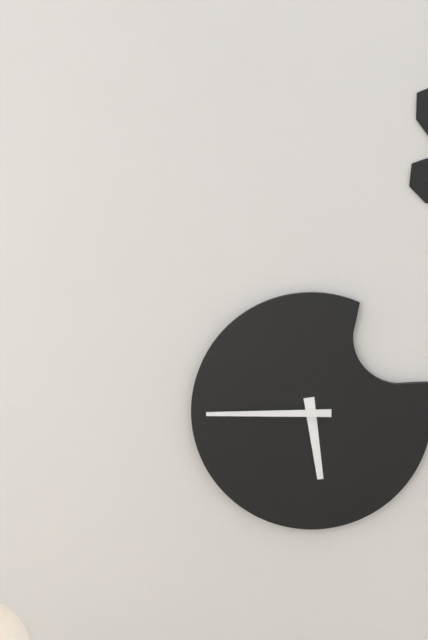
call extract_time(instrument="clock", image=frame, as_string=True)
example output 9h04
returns 5h45
